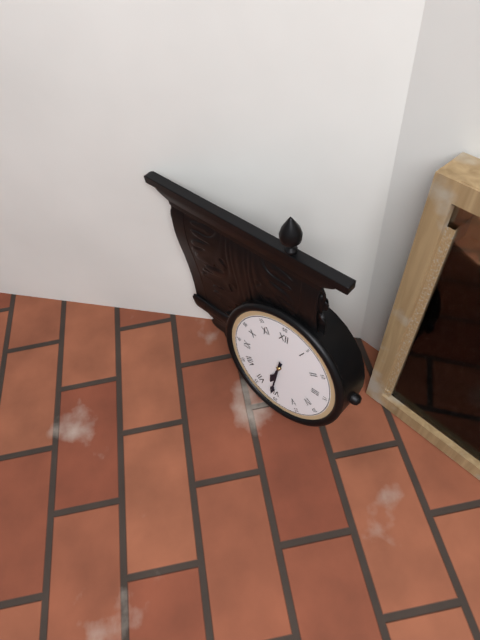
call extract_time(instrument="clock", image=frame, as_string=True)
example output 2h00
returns 6h31
